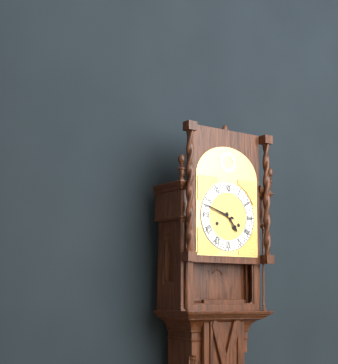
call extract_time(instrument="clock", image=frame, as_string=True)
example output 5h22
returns 4h48
